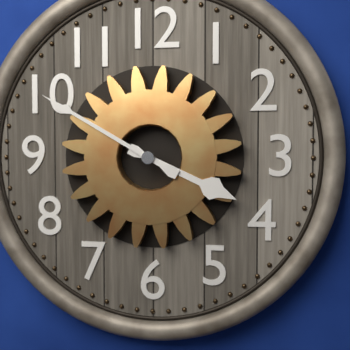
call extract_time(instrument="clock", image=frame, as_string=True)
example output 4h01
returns 3h50
